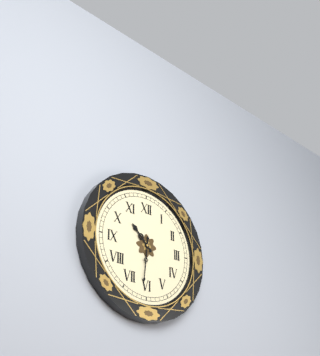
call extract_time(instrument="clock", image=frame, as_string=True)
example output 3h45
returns 10h31
